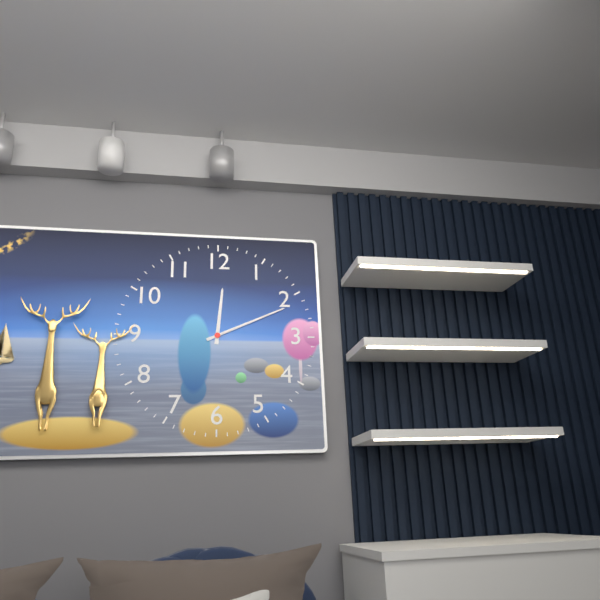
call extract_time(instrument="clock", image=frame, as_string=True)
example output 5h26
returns 12h11
